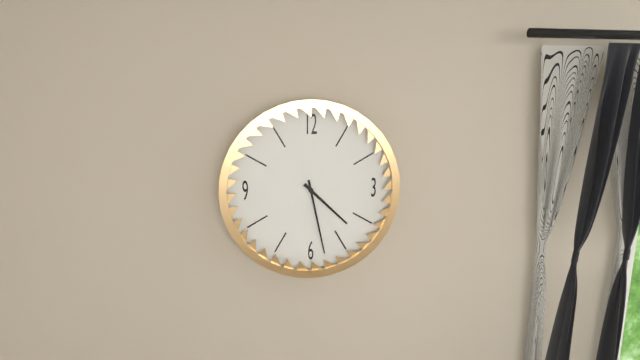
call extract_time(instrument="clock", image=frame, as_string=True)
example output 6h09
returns 4h28
